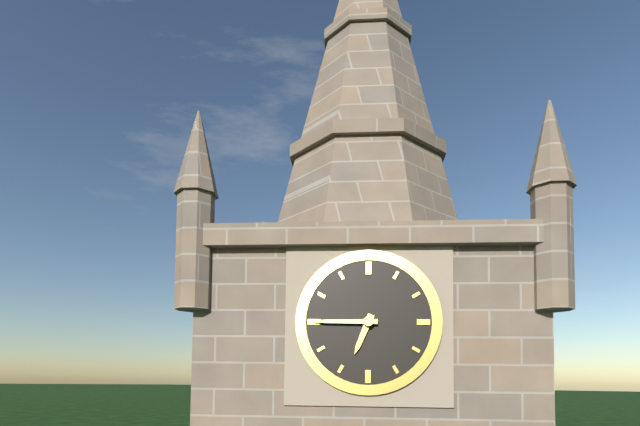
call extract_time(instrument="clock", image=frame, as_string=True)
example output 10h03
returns 6h45
